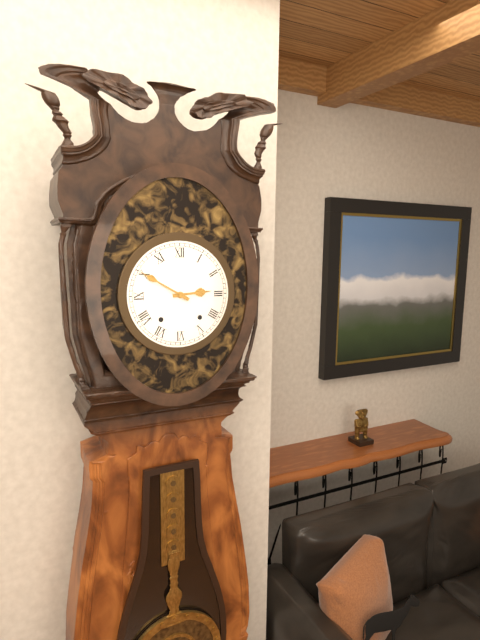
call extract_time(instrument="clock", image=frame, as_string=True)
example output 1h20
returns 2h50
